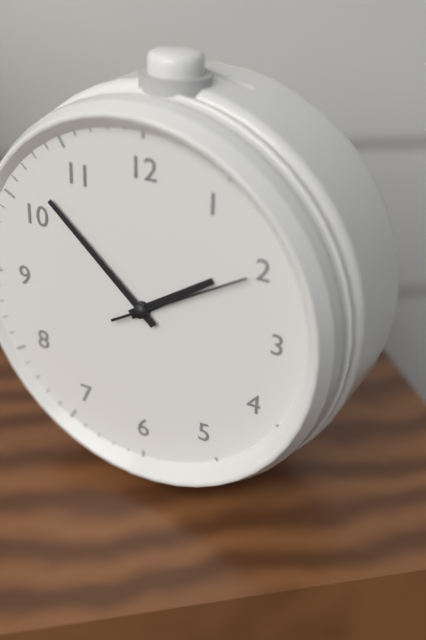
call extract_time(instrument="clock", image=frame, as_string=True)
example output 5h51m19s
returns 1h52m10s
